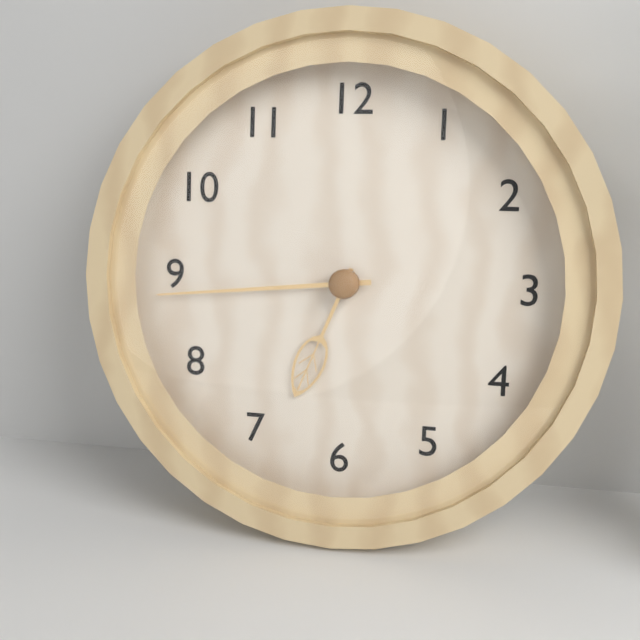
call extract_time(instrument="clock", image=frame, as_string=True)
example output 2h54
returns 6h44
